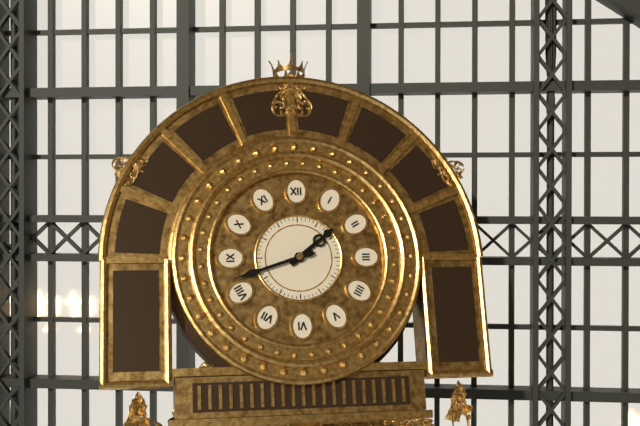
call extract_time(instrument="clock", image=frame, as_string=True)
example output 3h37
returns 1h42
